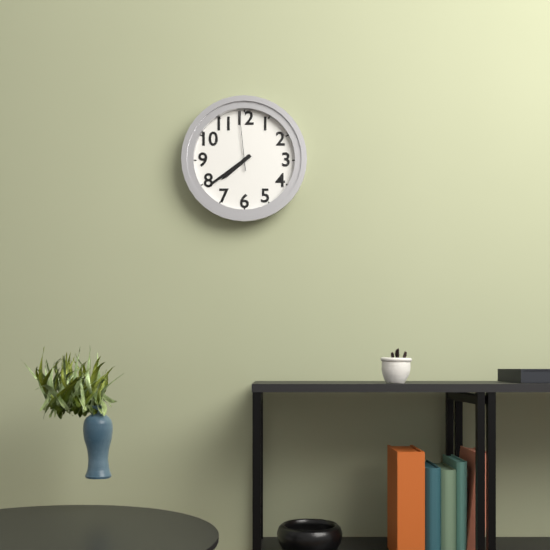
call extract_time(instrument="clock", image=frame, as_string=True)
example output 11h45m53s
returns 7h39m59s
